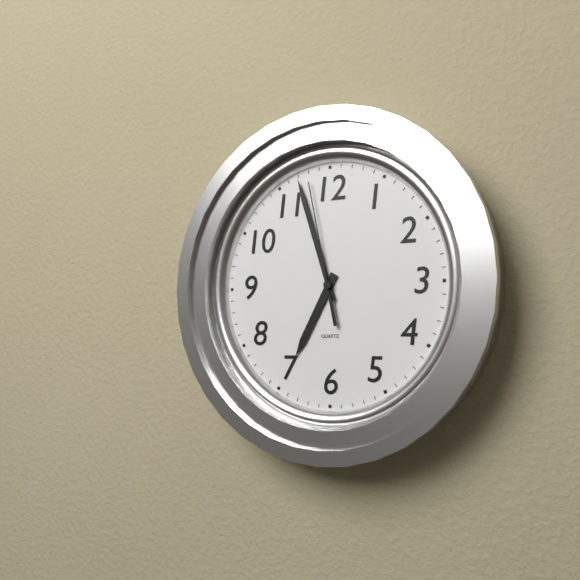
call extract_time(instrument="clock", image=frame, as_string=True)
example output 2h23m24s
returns 6h57m58s
